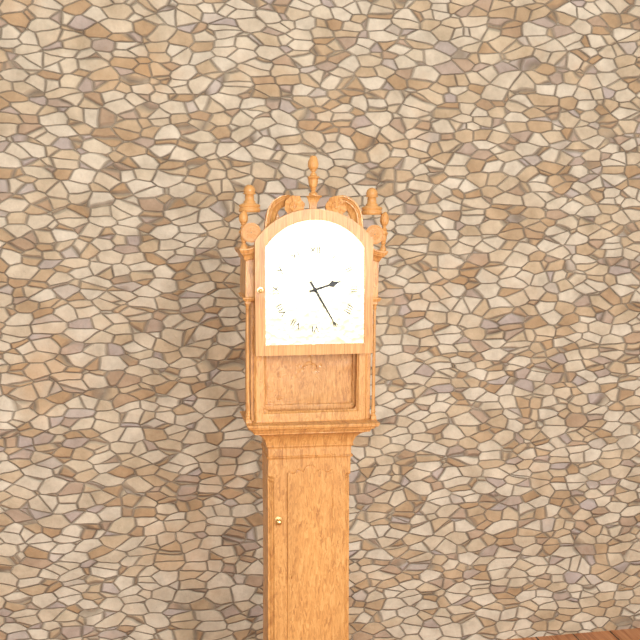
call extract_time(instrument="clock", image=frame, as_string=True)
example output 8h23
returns 2h25
